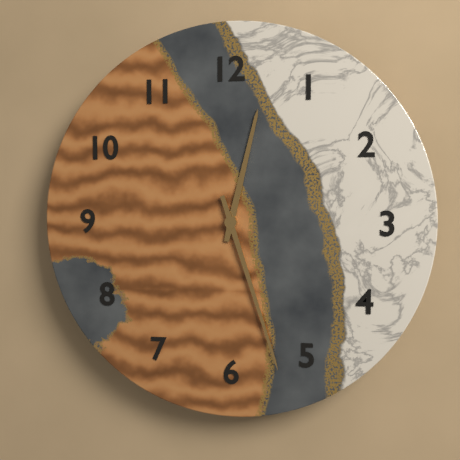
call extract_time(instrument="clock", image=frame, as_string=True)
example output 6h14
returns 12h27
